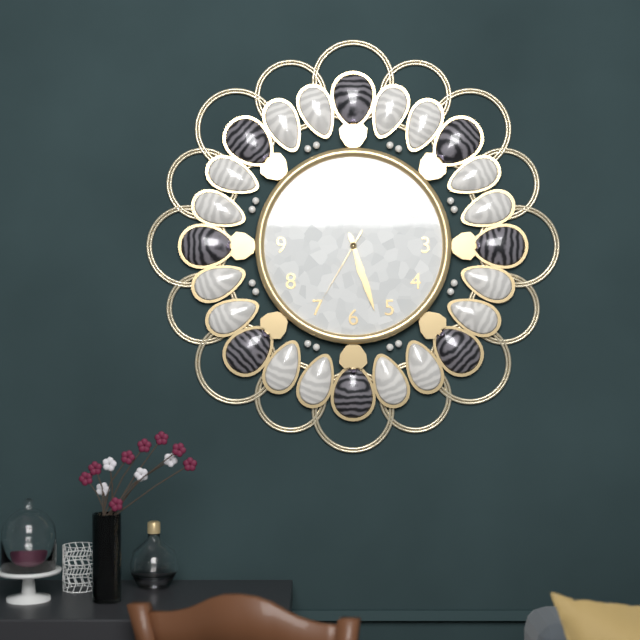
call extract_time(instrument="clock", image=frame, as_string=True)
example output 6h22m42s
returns 5h27m35s
